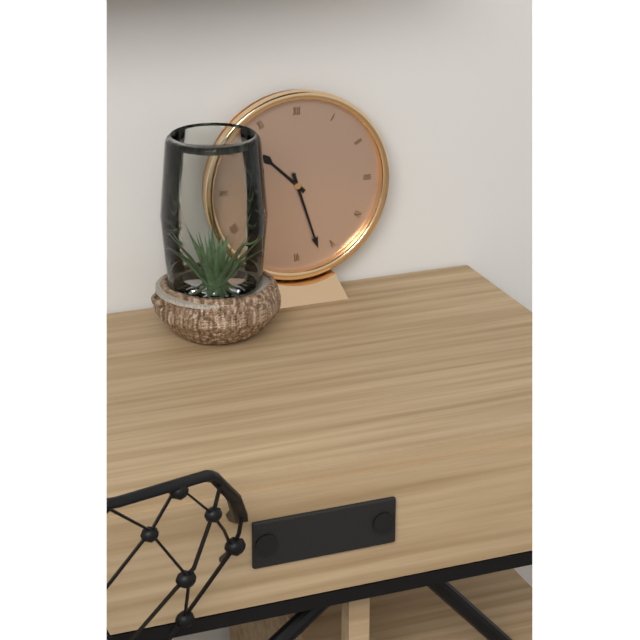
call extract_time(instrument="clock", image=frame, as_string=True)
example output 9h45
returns 10h27
